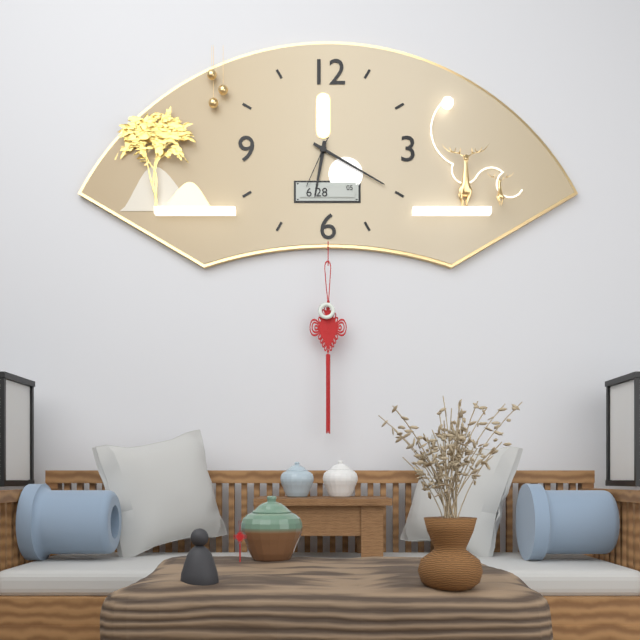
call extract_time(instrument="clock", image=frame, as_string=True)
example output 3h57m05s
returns 6h20m34s
